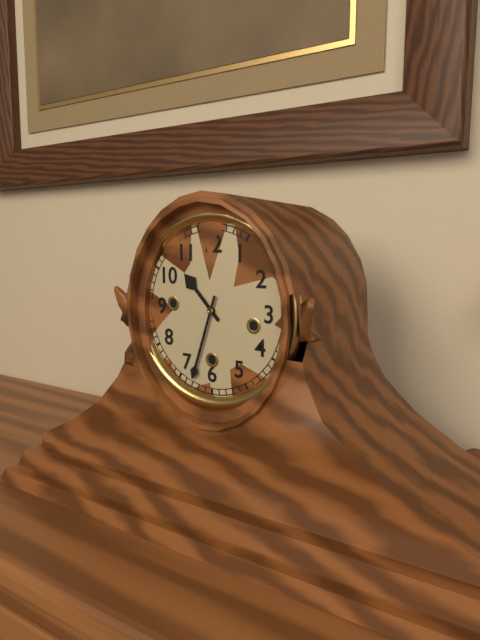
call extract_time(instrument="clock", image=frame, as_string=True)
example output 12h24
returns 10h33
